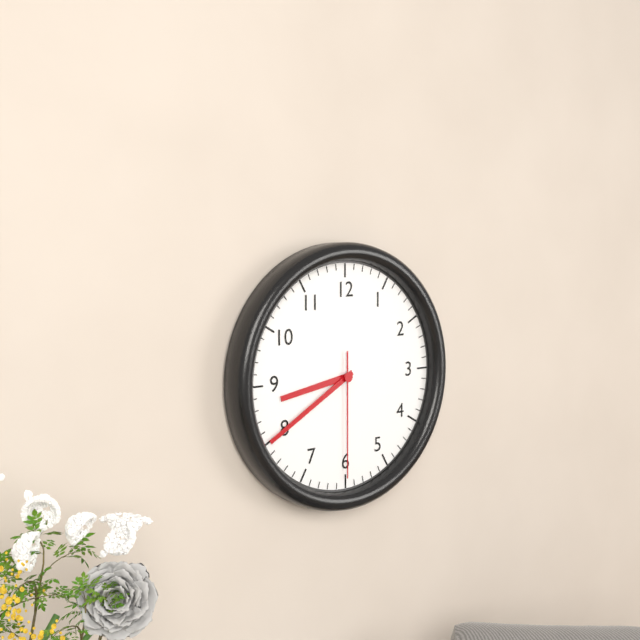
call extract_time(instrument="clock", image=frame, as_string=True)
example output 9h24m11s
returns 8h40m30s
